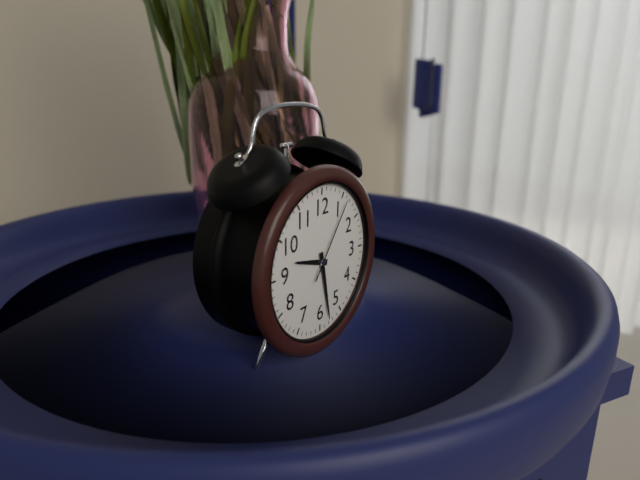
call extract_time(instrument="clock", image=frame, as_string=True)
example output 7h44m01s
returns 9h28m06s
